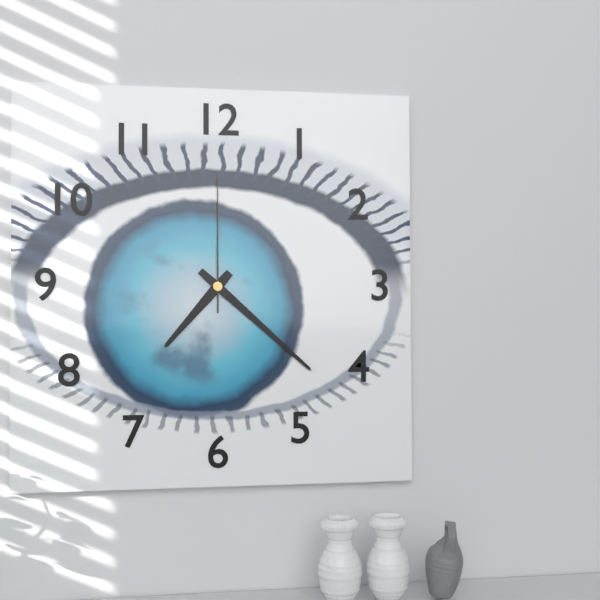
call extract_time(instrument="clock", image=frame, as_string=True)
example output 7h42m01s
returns 7h22m00s
